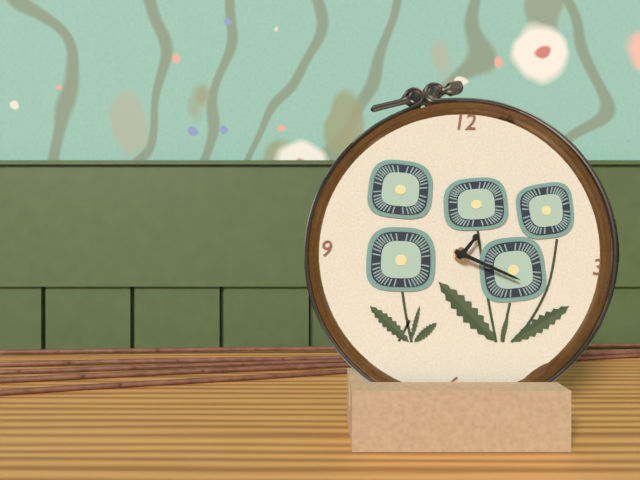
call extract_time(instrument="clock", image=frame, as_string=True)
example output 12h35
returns 1h19
